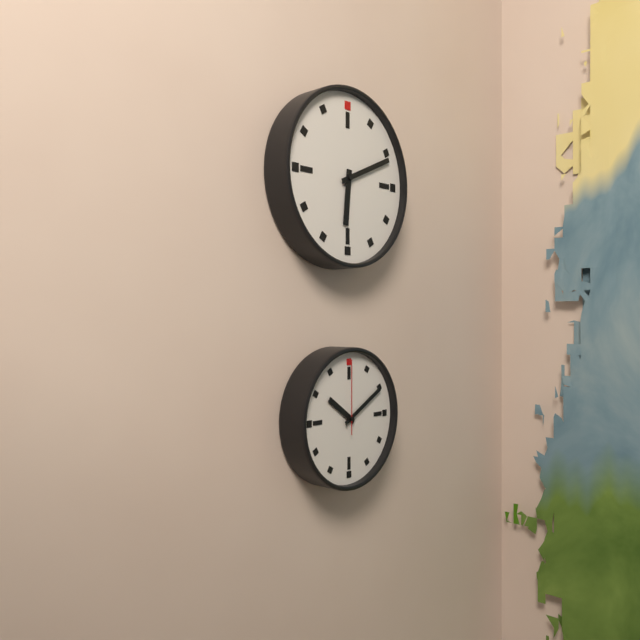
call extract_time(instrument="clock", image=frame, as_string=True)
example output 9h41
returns 6h11
